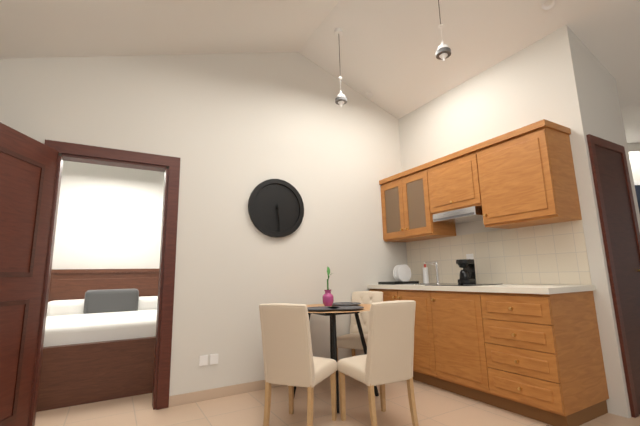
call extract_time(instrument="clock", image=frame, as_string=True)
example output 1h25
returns 5h29
